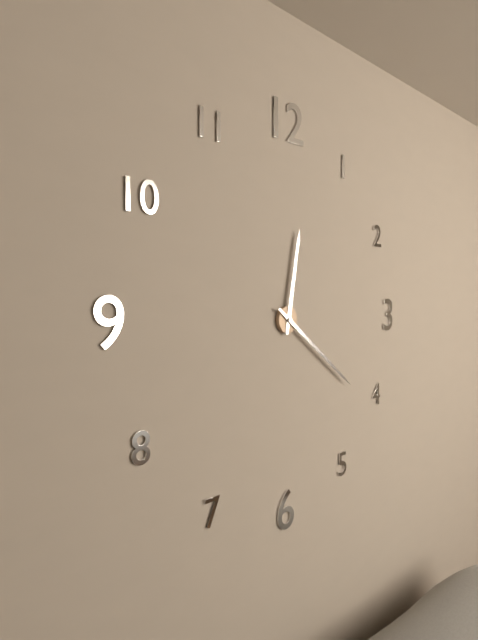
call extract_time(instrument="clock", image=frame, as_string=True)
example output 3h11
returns 12h21
